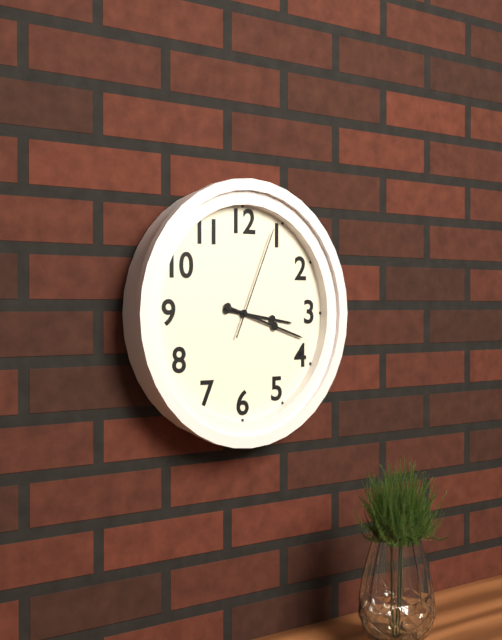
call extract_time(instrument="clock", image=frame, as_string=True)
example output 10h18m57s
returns 3h18m04s
